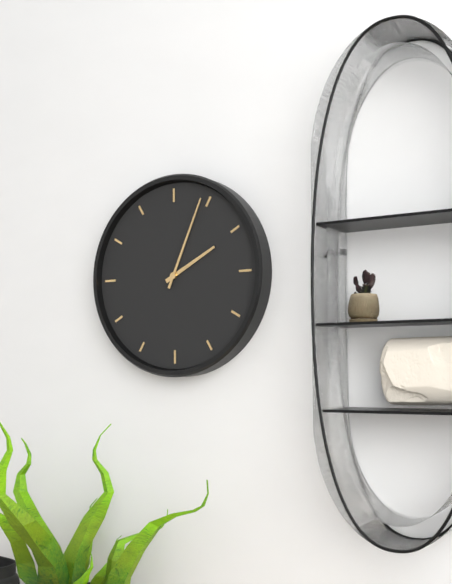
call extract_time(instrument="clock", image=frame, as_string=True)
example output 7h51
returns 2h04
